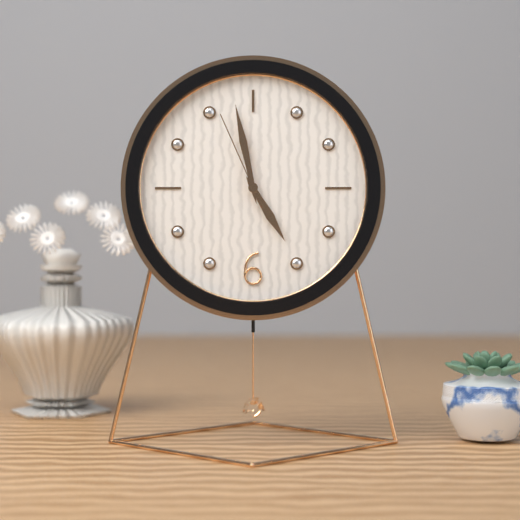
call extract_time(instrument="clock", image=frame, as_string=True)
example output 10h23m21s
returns 4h58m56s
